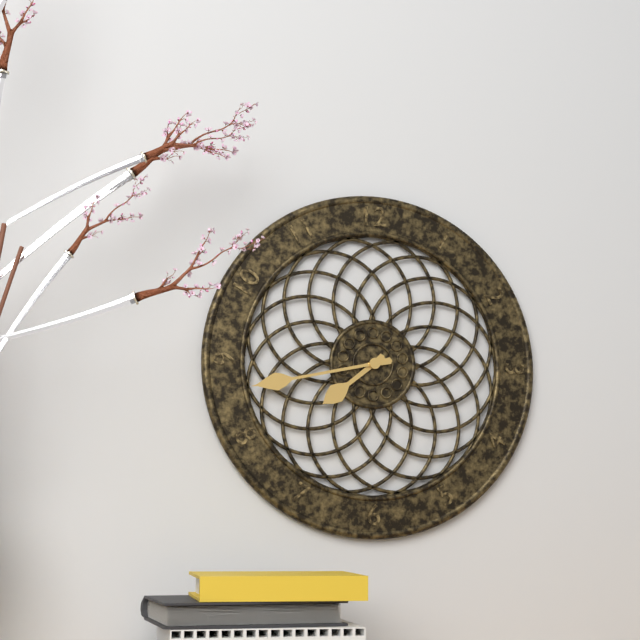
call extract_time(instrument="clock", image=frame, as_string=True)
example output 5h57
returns 7h43
